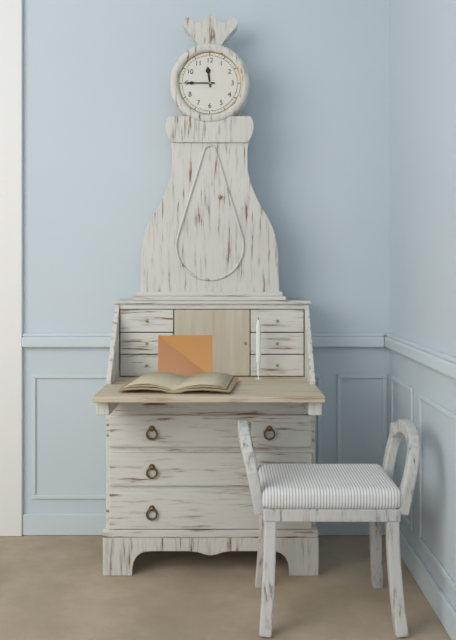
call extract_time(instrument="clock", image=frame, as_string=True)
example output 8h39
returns 11h45
